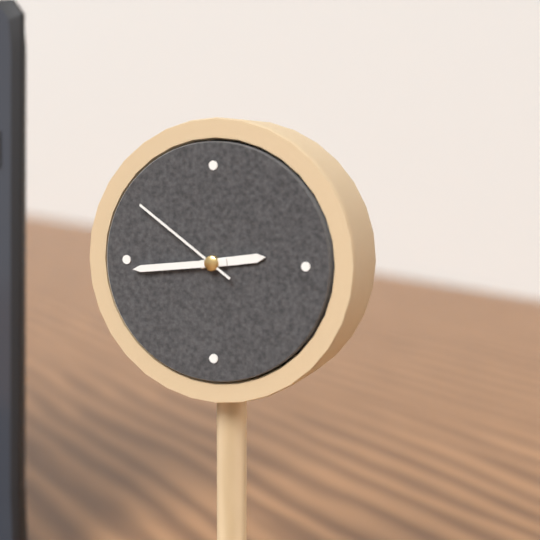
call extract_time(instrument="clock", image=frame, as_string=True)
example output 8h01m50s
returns 2h44m51s
